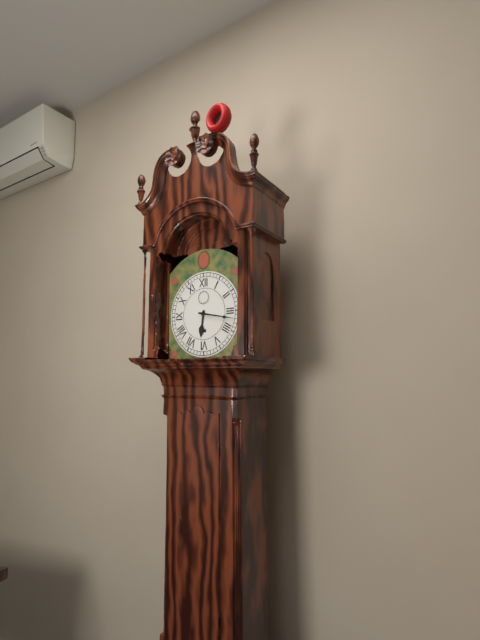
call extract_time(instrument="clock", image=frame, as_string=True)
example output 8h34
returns 6h17
